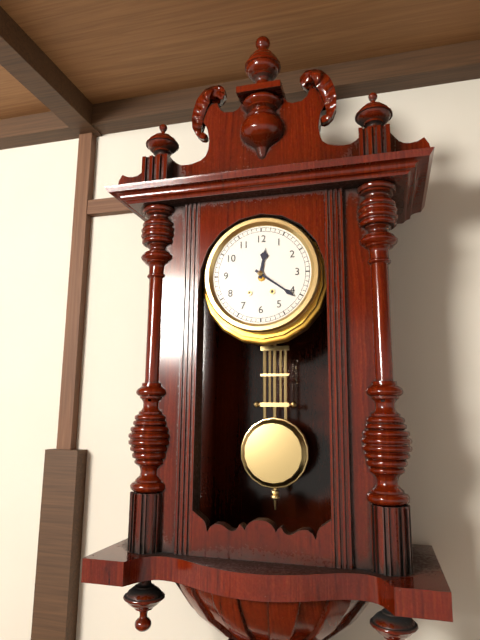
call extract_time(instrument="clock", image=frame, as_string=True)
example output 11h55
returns 12h21
